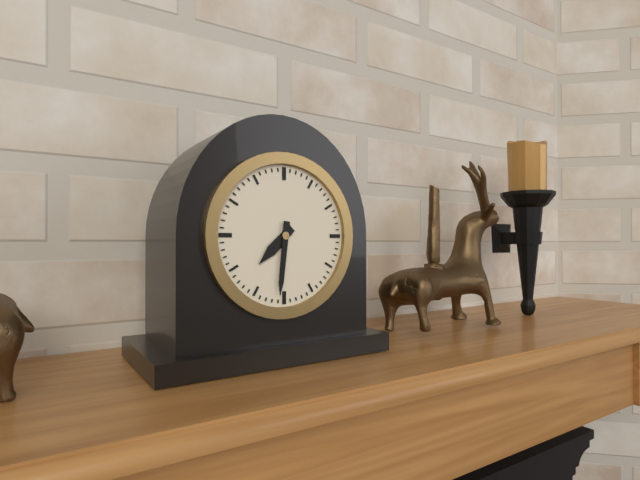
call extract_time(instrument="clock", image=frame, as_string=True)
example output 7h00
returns 7h31
